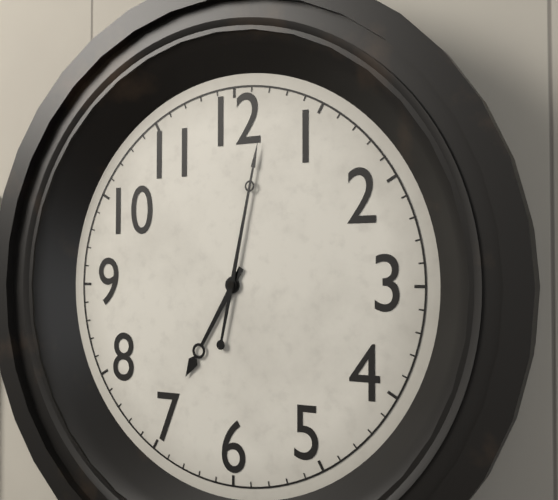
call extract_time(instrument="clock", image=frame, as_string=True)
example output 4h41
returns 7h02
